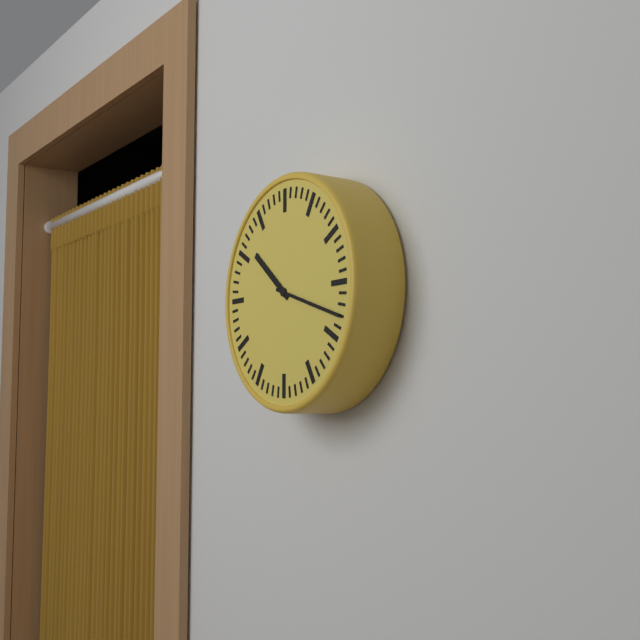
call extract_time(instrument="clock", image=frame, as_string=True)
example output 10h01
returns 10h18
